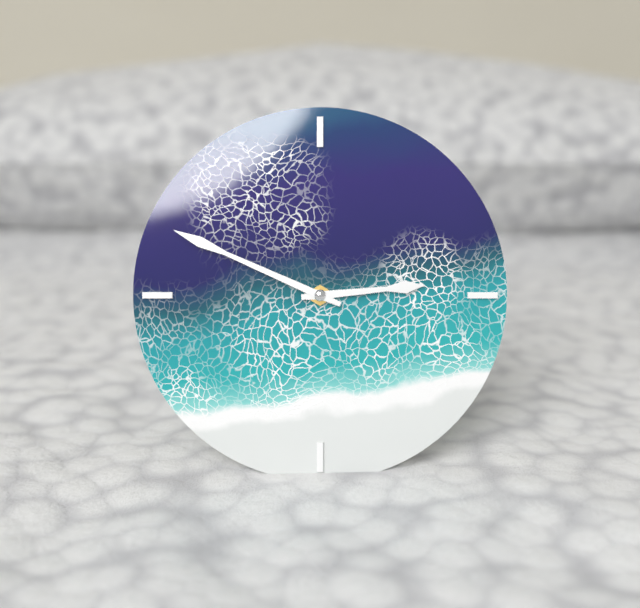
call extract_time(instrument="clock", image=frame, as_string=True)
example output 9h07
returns 2h49
